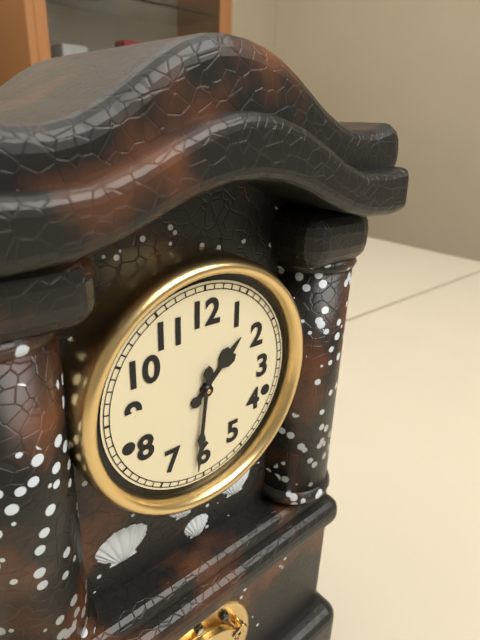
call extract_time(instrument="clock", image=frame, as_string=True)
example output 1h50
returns 1h31
